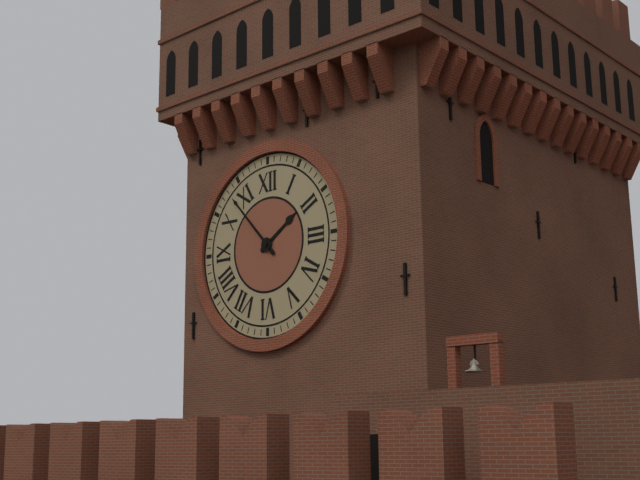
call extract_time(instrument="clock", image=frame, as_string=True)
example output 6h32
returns 1h53
